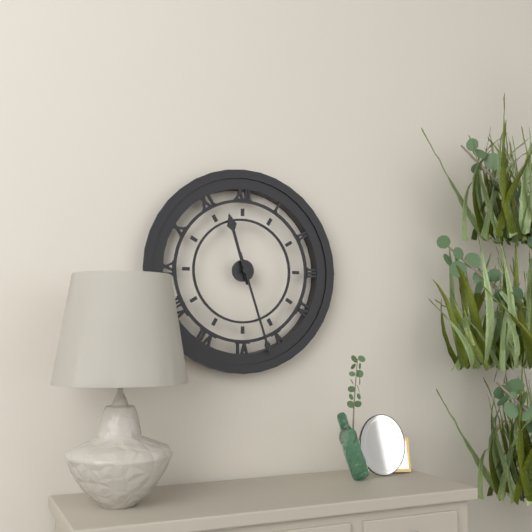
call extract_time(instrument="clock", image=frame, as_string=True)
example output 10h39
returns 11h27
